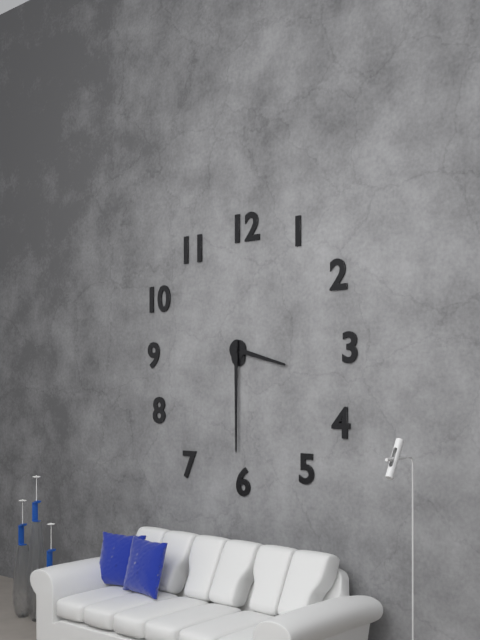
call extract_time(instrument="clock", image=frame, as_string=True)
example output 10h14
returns 3h30
